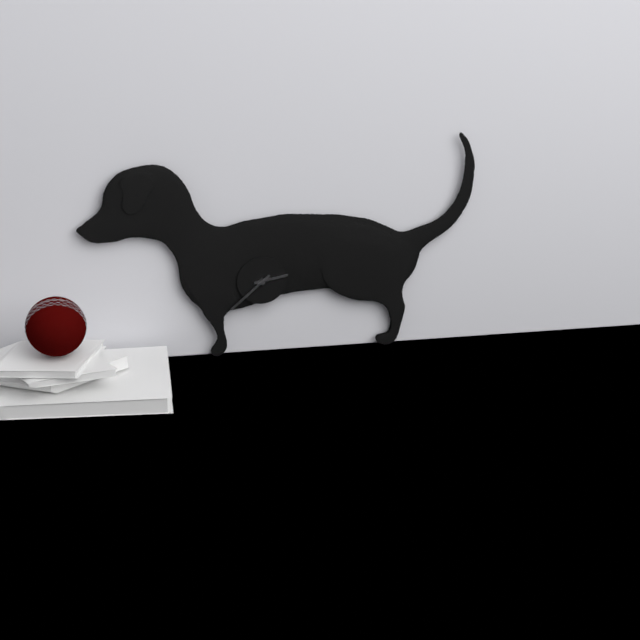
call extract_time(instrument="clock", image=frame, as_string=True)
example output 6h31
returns 2h38
